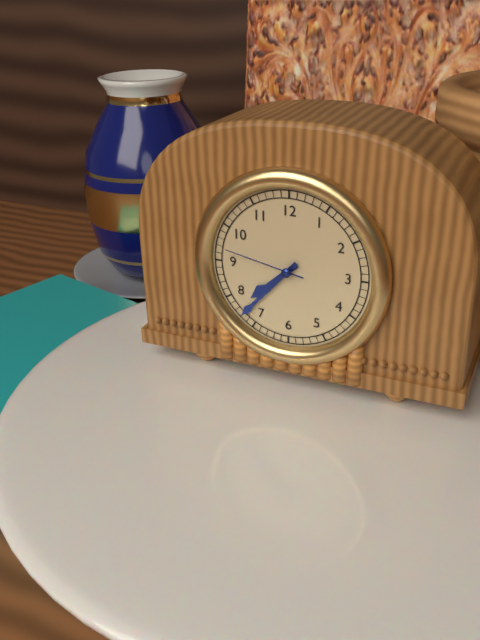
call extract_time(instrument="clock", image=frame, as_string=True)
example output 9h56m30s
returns 7h37m47s
